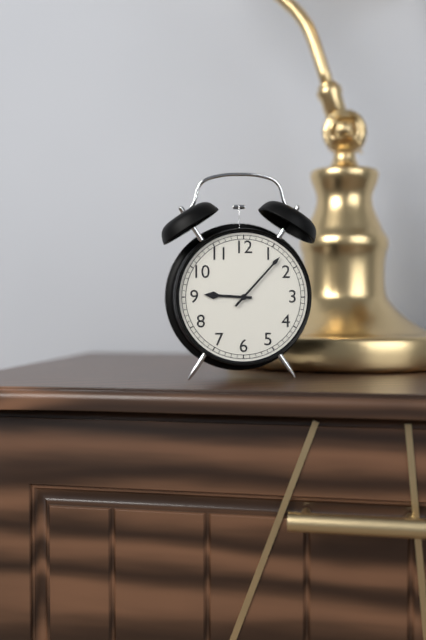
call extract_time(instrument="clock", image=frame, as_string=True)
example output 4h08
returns 9h07
